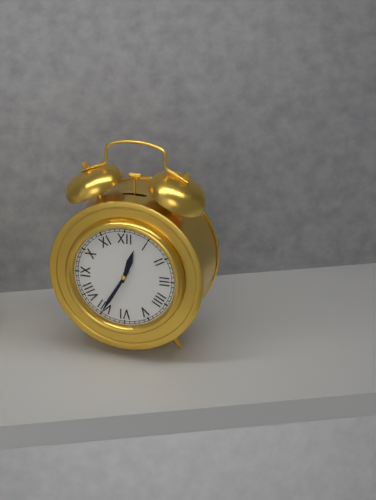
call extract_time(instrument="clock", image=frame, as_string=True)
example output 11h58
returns 12h35
